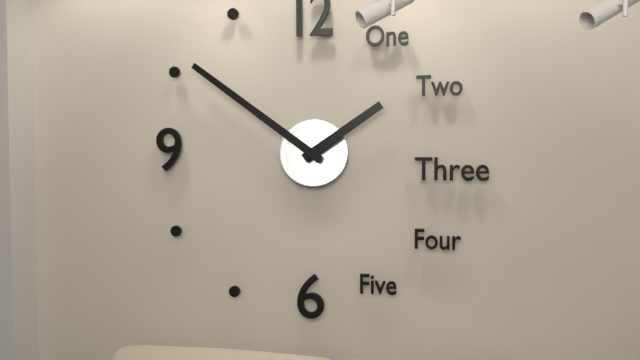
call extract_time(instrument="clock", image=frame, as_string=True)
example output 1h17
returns 1h51
